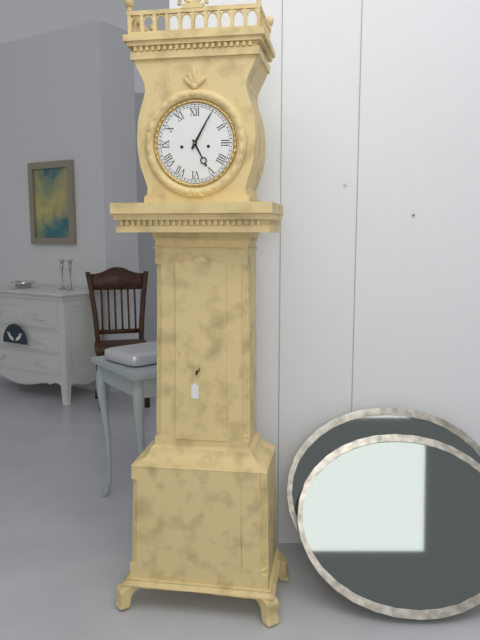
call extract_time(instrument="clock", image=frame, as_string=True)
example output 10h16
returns 5h05
